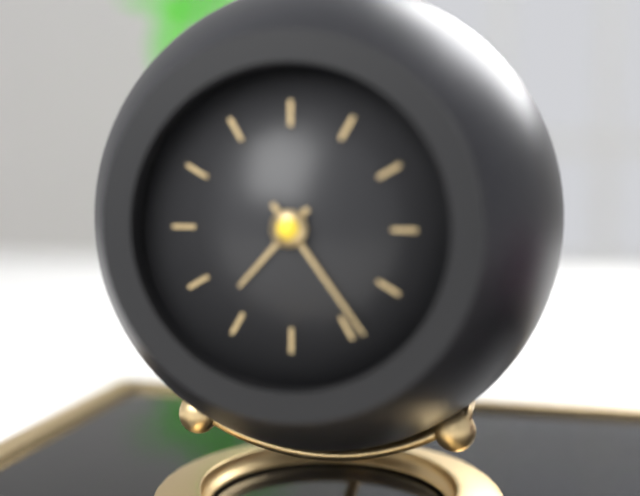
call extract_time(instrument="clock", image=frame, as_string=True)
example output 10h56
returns 7h24
